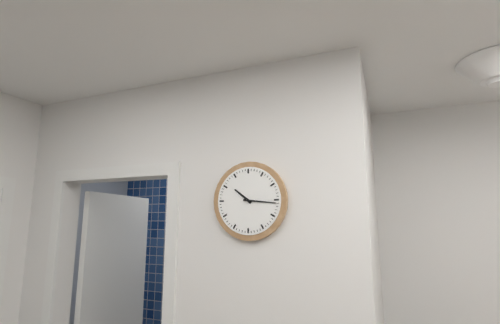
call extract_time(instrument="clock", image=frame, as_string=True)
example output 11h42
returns 10h16
